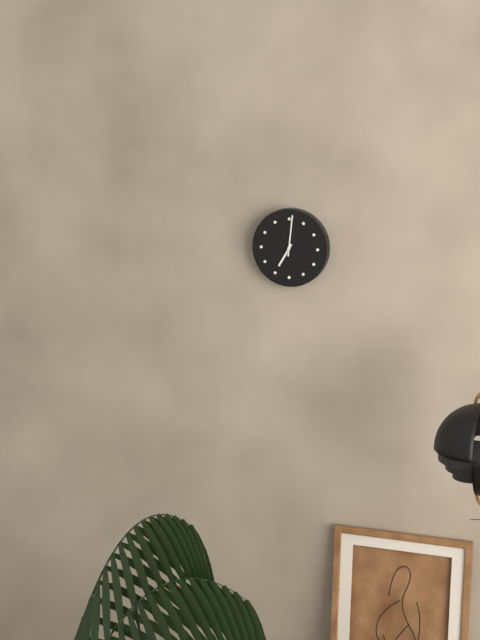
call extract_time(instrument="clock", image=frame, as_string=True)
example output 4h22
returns 7h01
